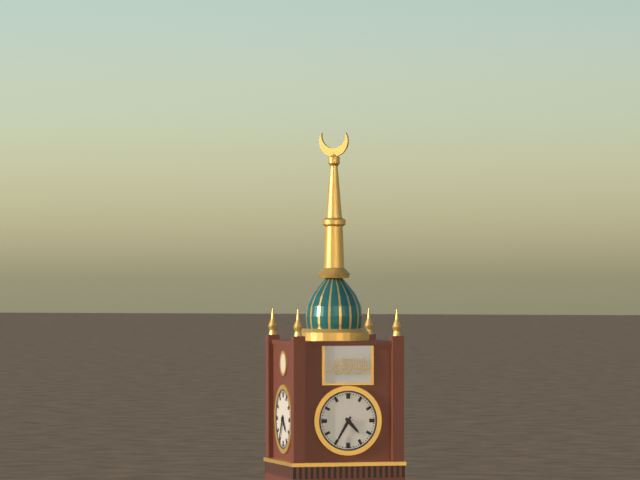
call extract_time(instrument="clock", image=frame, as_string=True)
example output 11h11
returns 4h35
